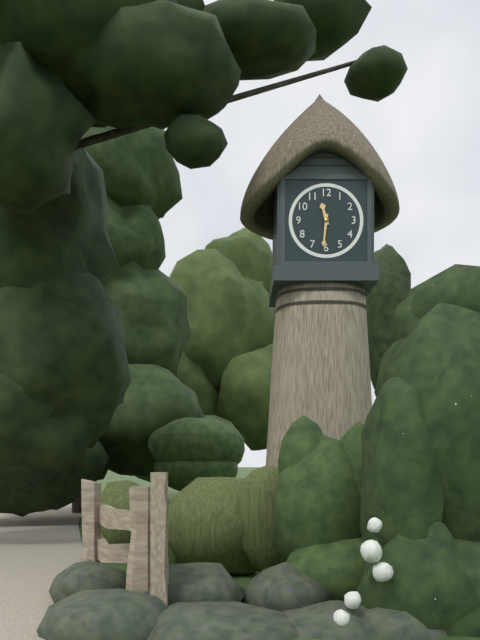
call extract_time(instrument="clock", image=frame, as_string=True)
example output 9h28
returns 11h31
